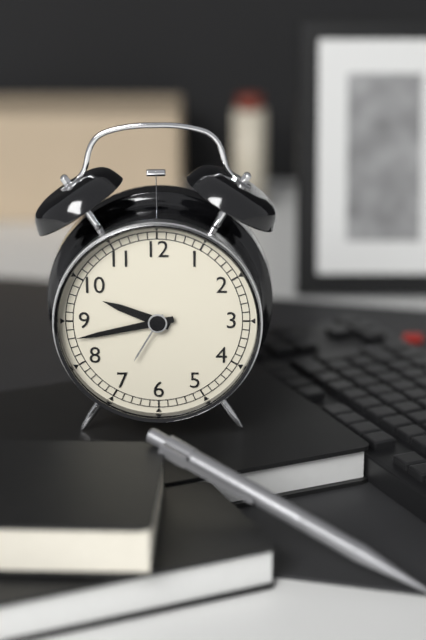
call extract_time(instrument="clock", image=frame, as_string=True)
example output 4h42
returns 9h43
